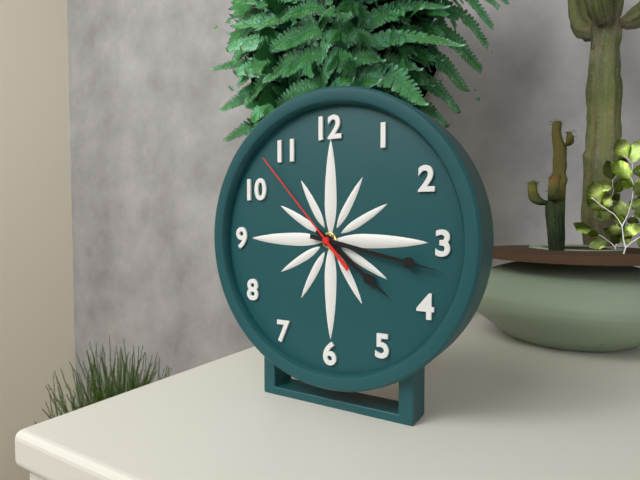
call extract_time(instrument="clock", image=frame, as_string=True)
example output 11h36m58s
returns 4h17m53s
